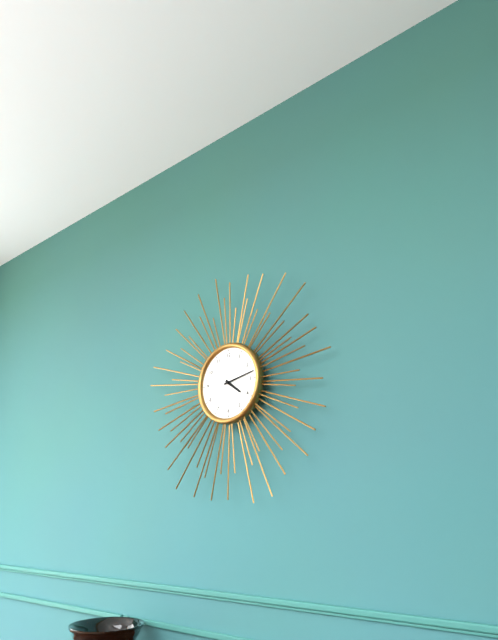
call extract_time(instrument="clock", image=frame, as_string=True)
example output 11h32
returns 4h13
